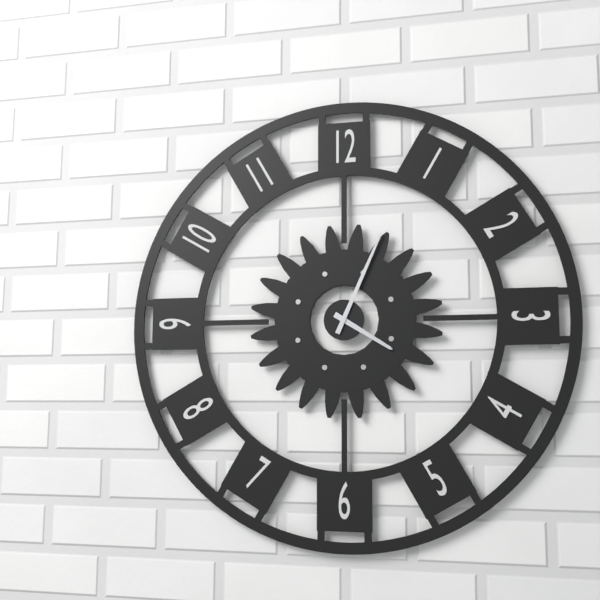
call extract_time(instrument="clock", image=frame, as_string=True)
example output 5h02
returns 4h04
